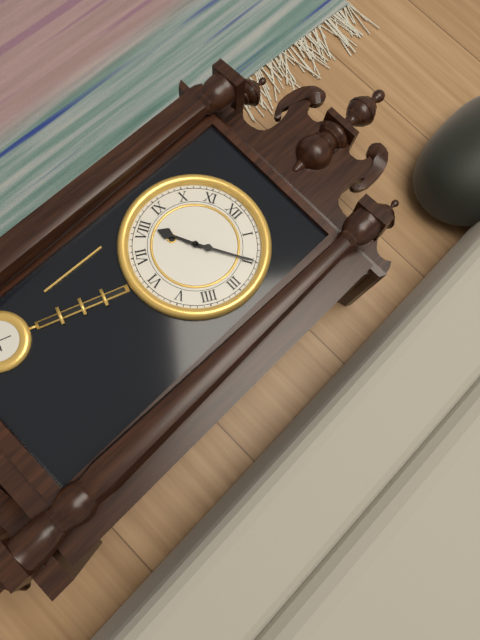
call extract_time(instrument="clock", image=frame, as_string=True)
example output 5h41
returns 8h10
